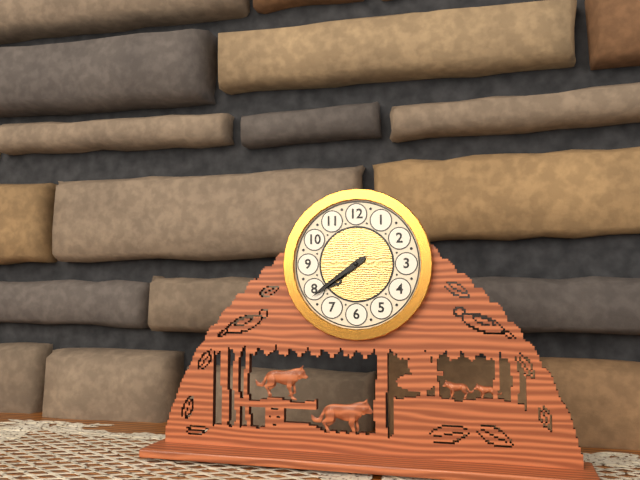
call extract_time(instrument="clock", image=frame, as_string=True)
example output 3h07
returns 7h39
